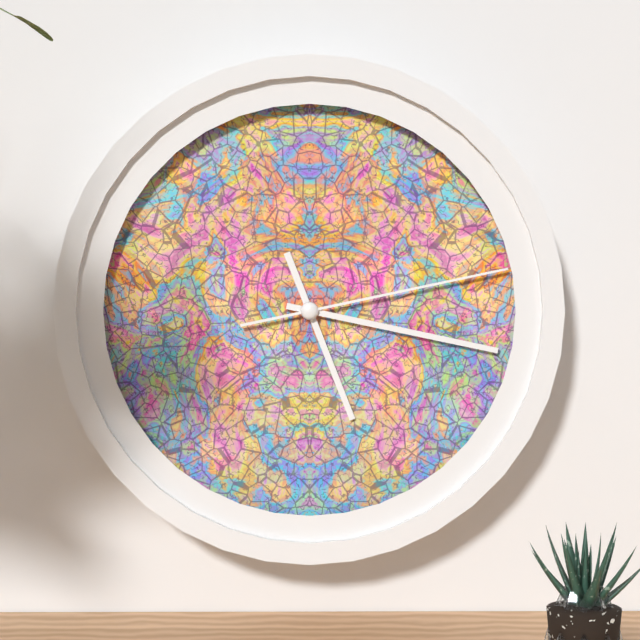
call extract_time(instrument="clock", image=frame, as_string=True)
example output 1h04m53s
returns 5h17m13s
